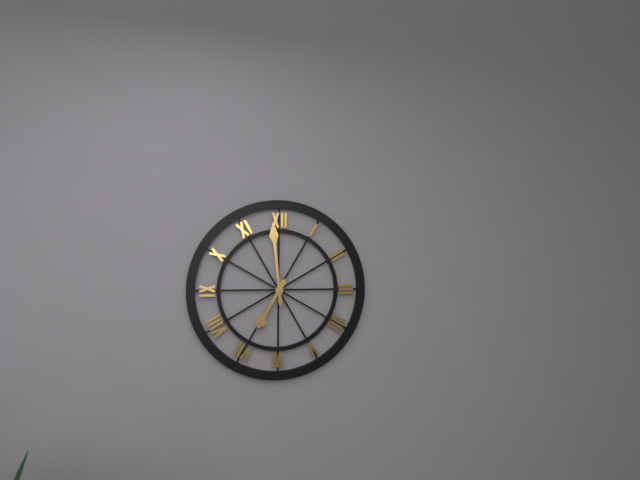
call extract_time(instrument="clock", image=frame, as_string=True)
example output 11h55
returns 6h59
